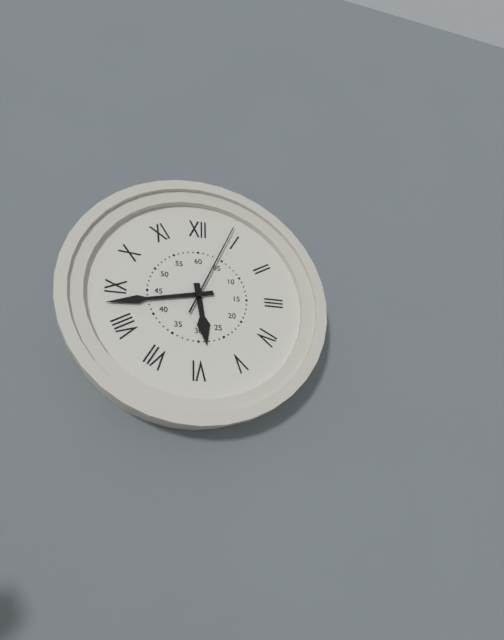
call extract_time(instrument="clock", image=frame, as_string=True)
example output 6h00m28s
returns 5h43m04s
